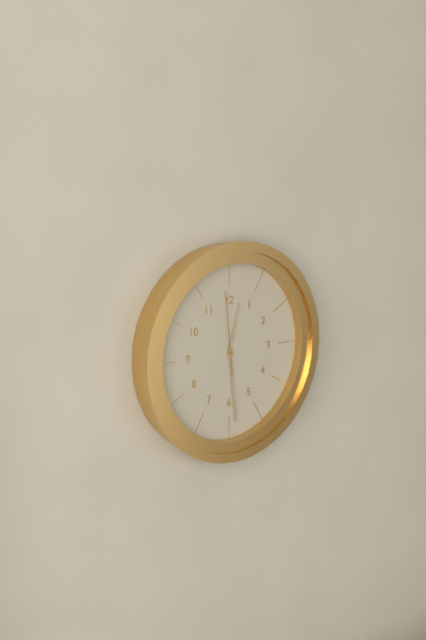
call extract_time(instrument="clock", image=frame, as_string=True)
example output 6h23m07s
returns 12h29m59s
